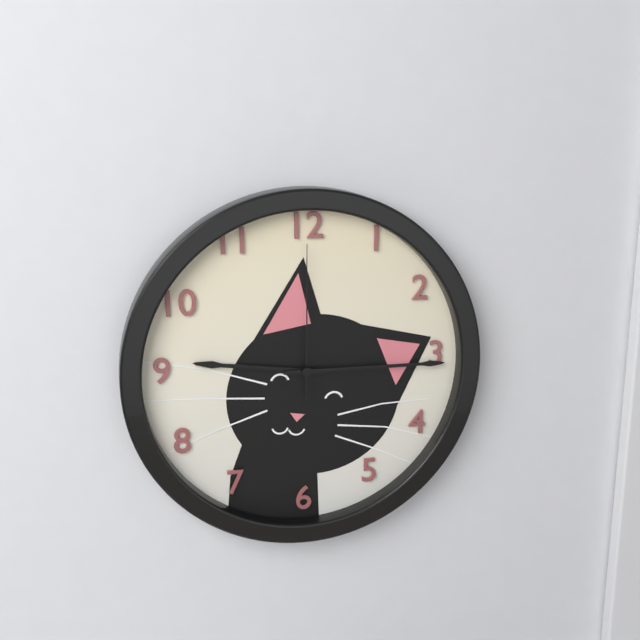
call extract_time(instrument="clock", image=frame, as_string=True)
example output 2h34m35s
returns 9h15m00s
